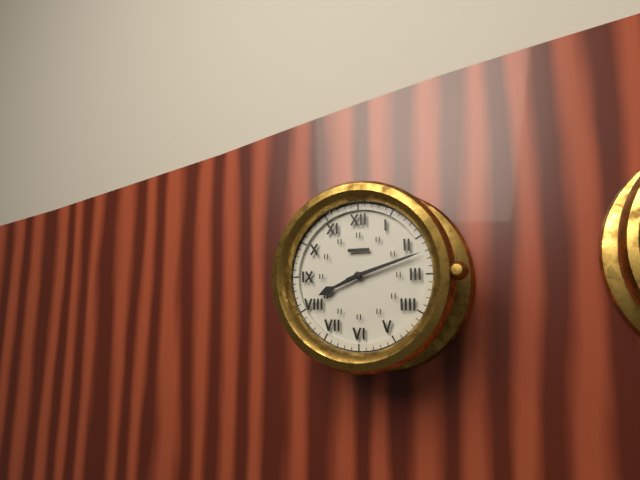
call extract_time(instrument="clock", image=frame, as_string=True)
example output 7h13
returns 8h12
